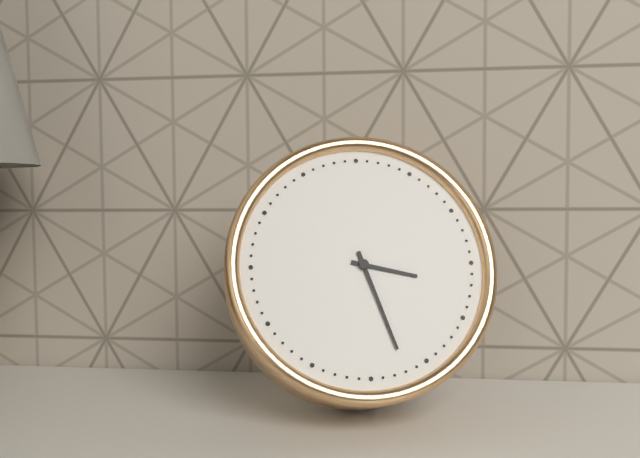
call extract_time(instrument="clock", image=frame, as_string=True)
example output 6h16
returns 3h27
